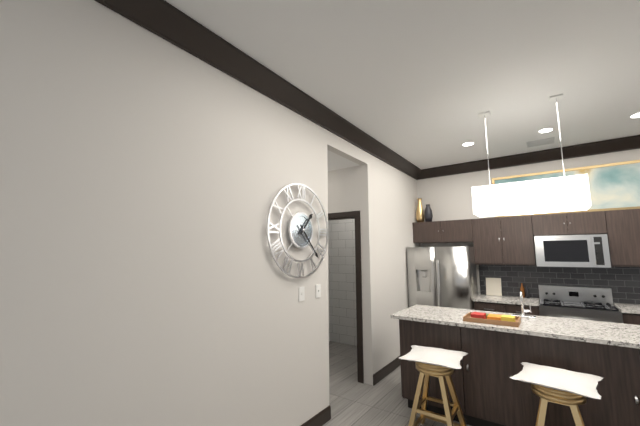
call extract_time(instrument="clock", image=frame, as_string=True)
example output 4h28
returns 1h23
